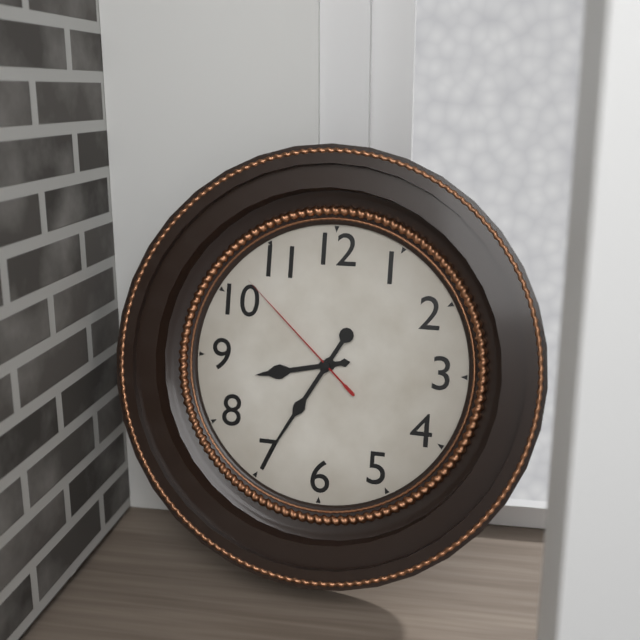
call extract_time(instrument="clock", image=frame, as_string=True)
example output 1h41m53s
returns 8h35m52s
